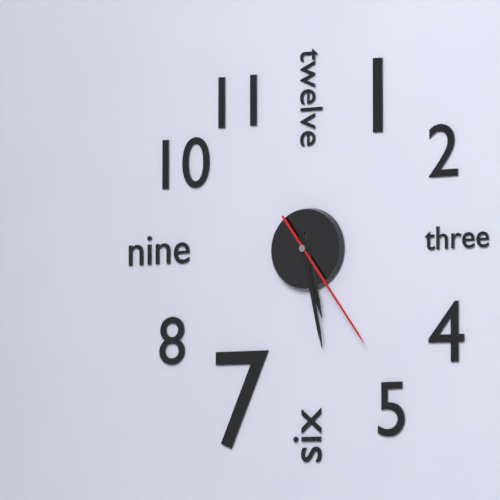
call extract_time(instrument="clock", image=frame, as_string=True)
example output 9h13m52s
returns 5h28m24s
